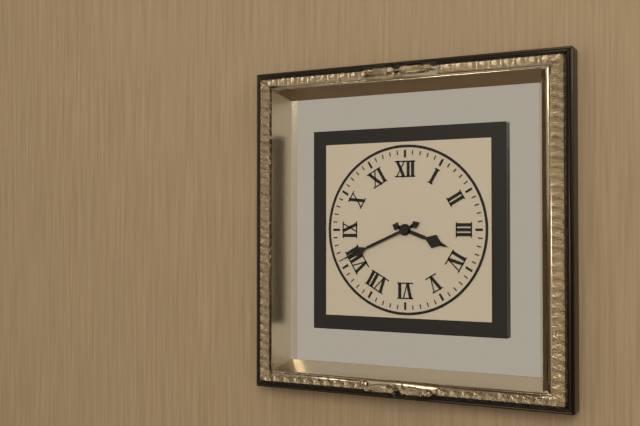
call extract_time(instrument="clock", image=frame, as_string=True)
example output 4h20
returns 3h41
